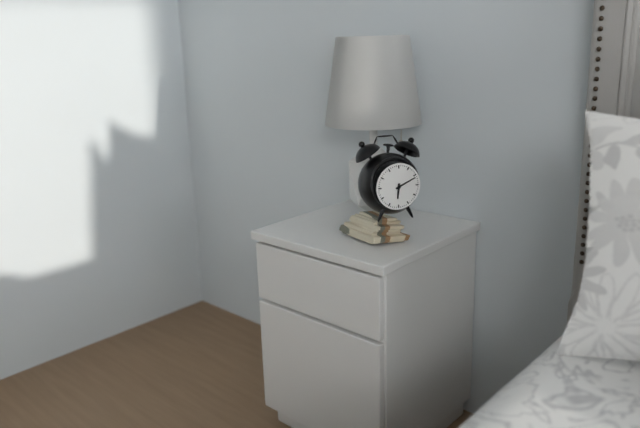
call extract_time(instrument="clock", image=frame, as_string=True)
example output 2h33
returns 6h11
